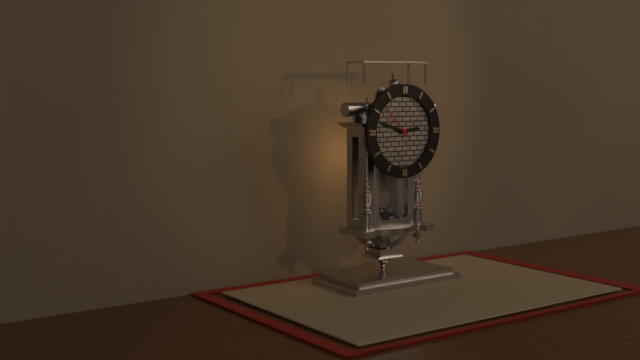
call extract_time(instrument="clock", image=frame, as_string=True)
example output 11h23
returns 2h48
